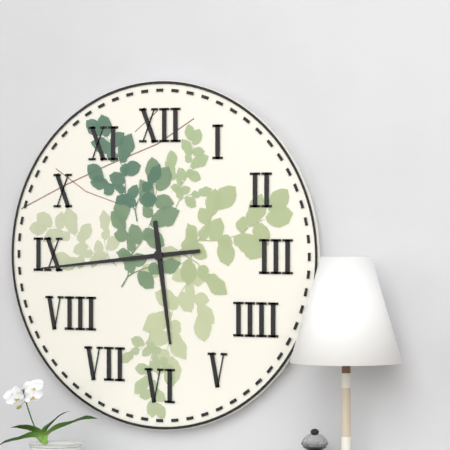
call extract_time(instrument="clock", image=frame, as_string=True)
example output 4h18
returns 5h44
